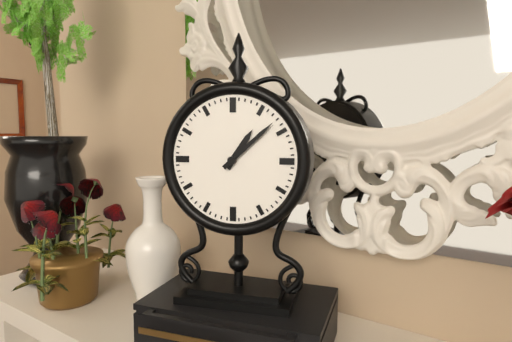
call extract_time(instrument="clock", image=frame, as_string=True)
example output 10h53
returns 1h08
